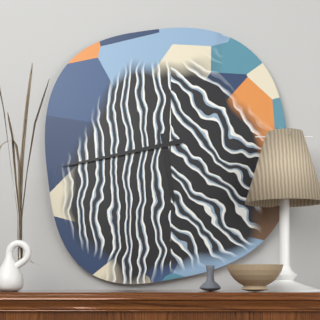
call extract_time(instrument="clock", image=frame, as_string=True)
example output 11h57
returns 5h43
